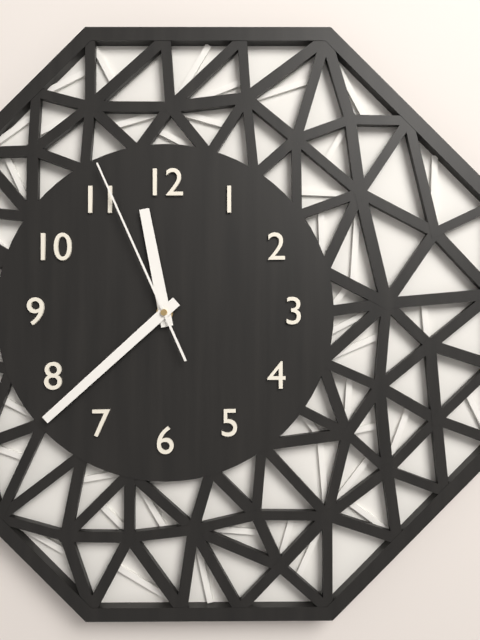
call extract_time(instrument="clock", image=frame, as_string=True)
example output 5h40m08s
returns 11h38m56s
